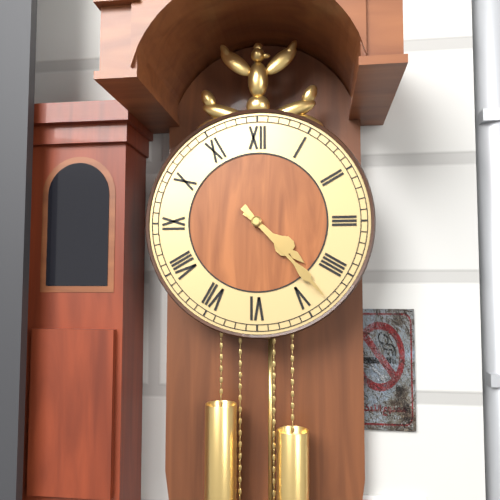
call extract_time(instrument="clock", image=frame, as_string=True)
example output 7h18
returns 4h23
